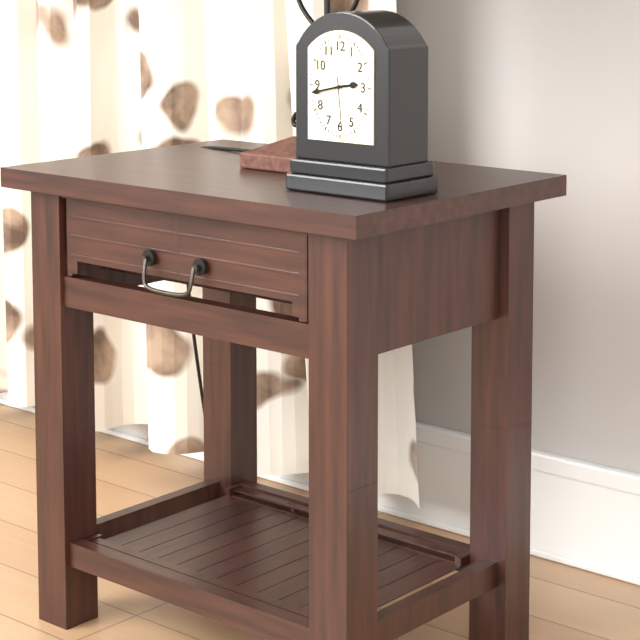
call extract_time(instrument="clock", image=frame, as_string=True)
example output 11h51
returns 2h43
